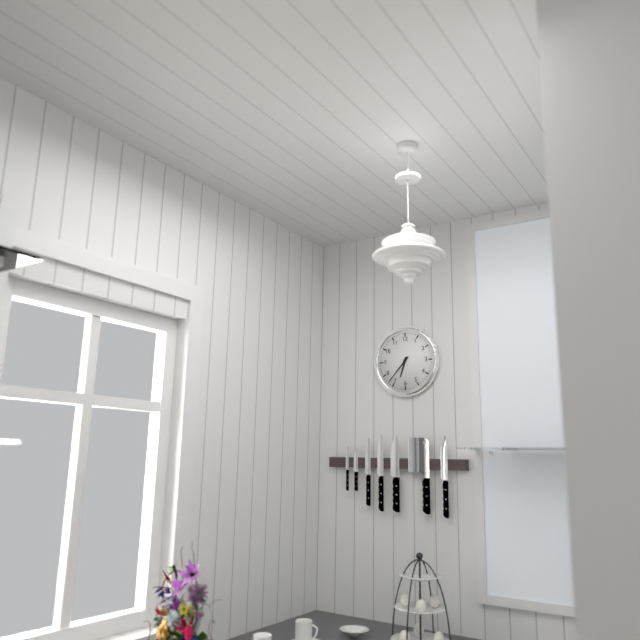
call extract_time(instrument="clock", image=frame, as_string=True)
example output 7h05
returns 6h37
